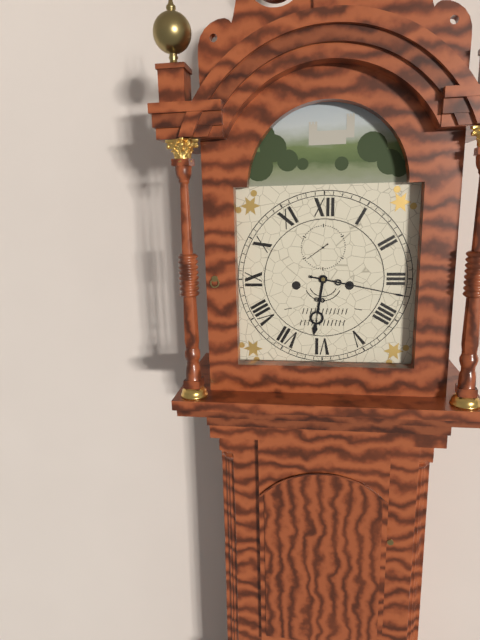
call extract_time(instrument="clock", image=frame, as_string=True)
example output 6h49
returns 6h17
